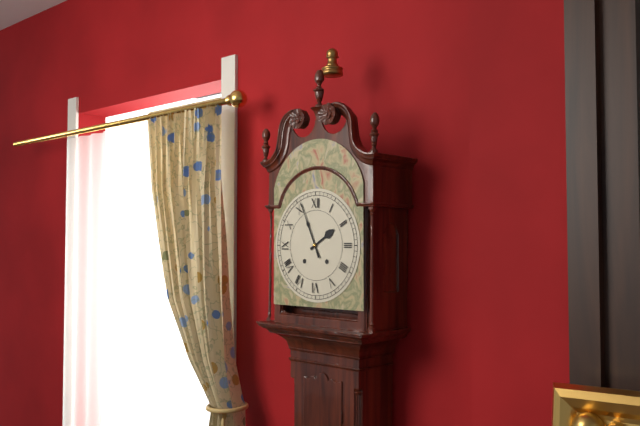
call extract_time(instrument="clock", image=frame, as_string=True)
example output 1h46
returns 1h56
